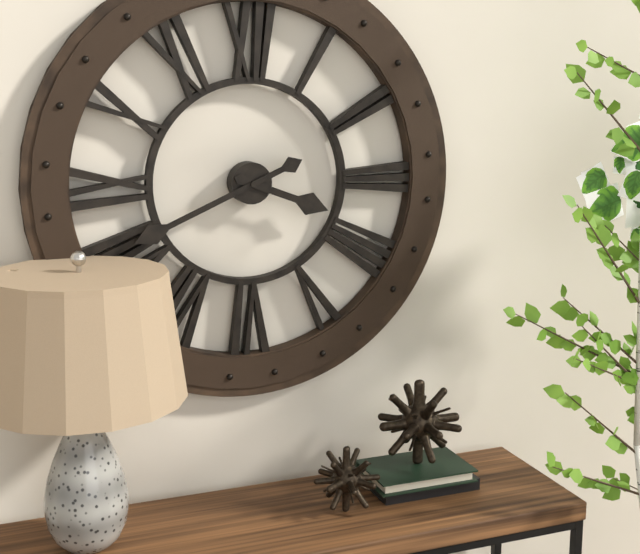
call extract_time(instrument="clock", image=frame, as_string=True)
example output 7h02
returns 3h41
